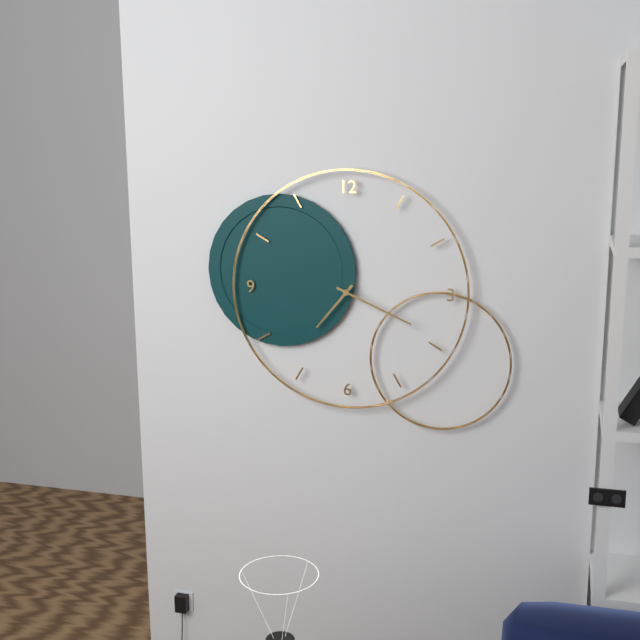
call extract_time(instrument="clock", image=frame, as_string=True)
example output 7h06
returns 7h19
